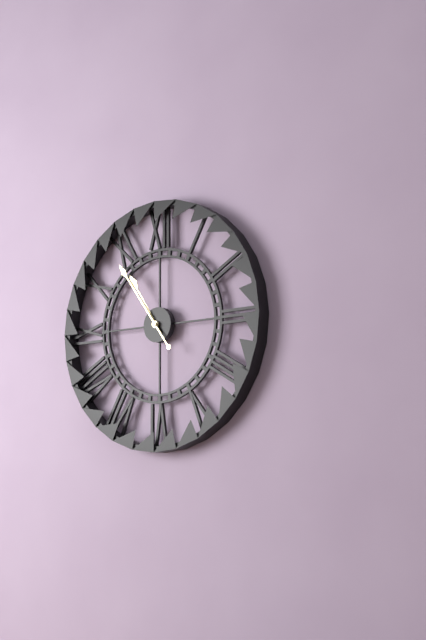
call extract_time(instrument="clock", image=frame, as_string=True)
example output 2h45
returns 10h54
